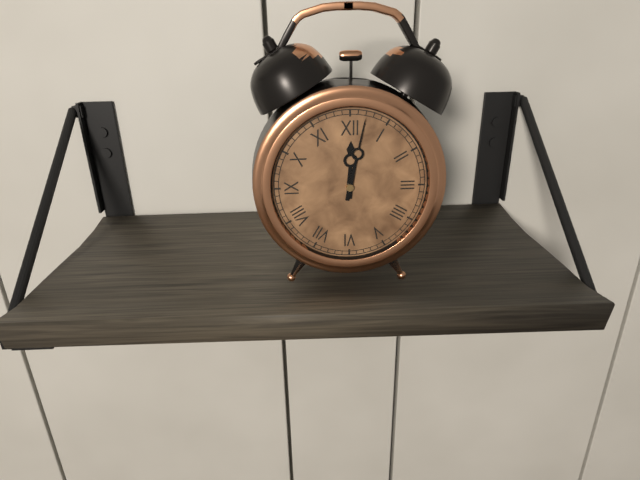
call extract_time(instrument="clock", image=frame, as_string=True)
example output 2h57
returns 12h02
